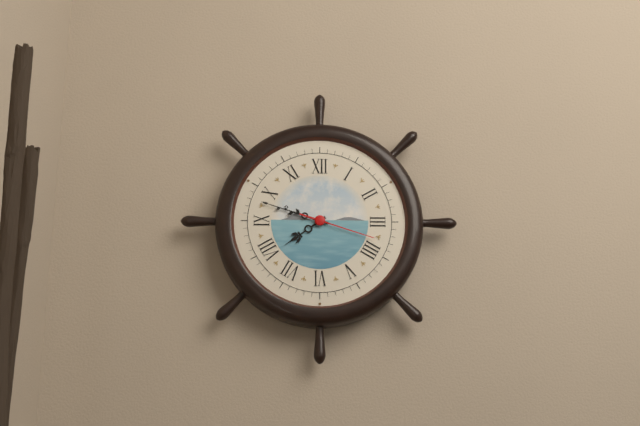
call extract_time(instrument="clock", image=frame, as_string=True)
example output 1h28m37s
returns 7h48m18s
